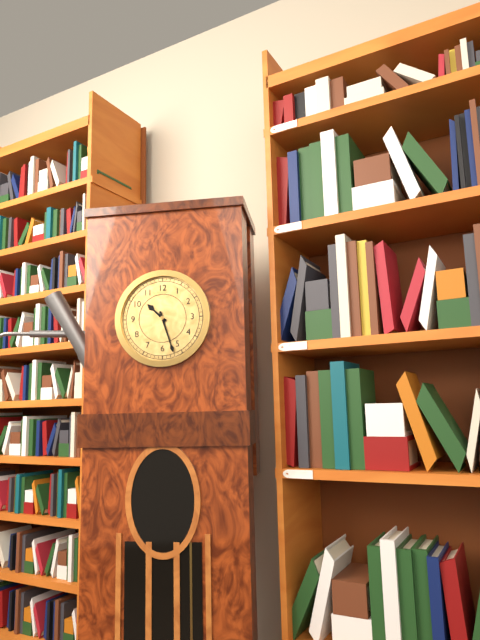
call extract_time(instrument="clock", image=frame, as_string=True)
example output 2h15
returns 10h27
